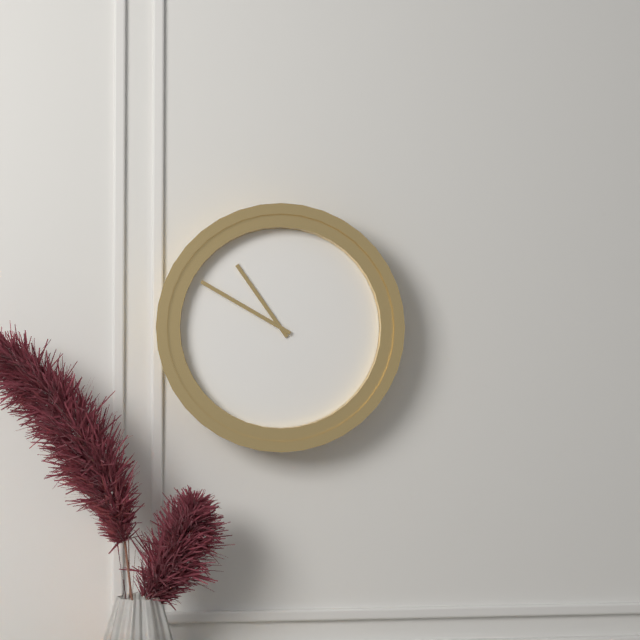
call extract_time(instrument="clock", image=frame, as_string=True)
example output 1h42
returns 10h50
